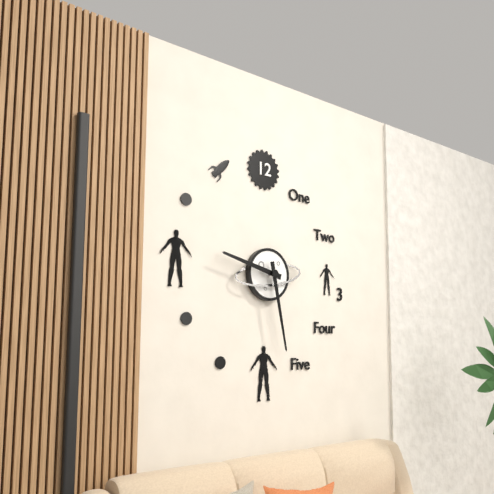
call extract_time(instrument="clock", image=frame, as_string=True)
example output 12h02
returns 9h28
